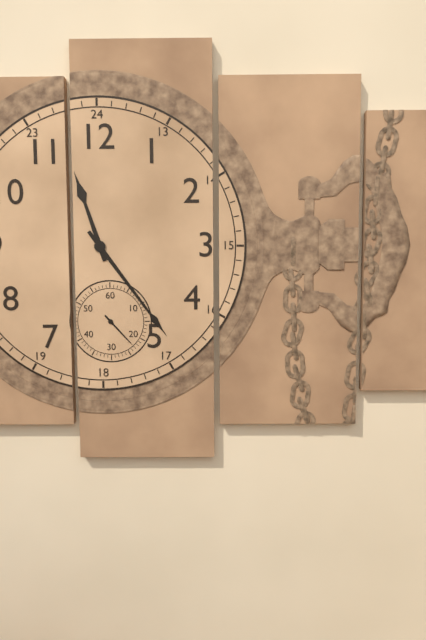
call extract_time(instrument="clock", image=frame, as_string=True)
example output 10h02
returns 11h24
